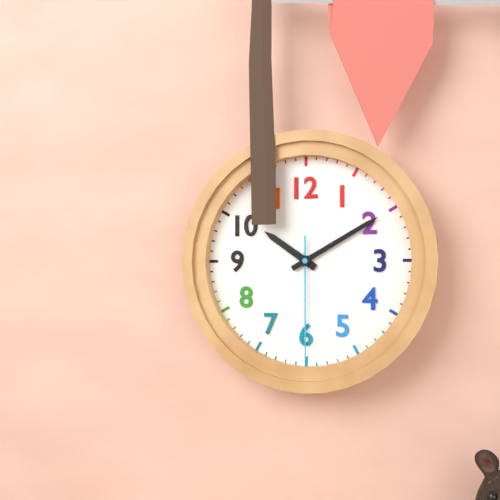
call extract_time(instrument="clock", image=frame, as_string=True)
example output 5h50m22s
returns 10h10m30s
